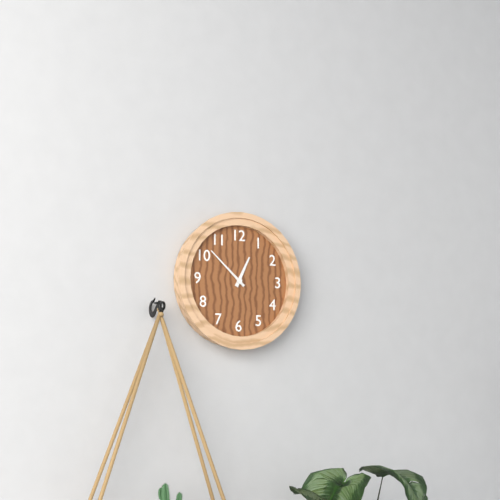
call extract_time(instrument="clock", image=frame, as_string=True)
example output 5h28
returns 12h52
